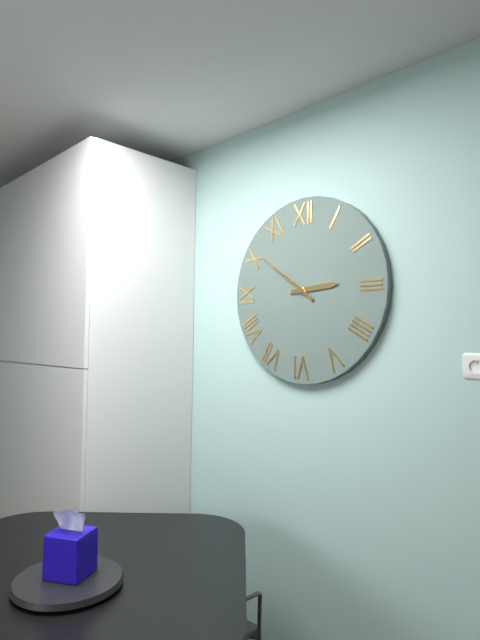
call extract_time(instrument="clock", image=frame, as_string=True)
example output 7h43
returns 2h51
